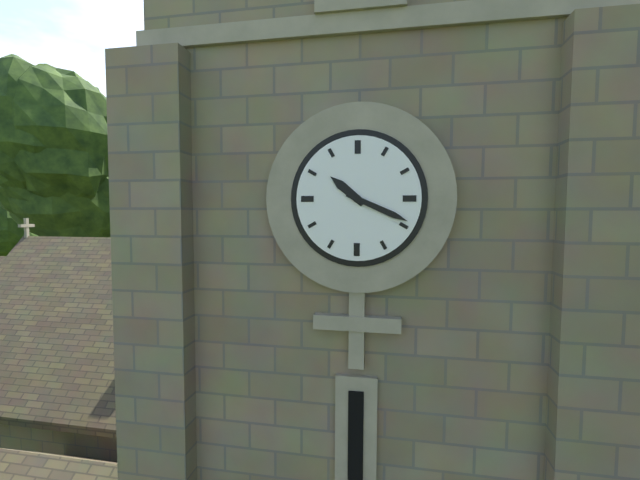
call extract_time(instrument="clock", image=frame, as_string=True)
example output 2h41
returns 10h19
